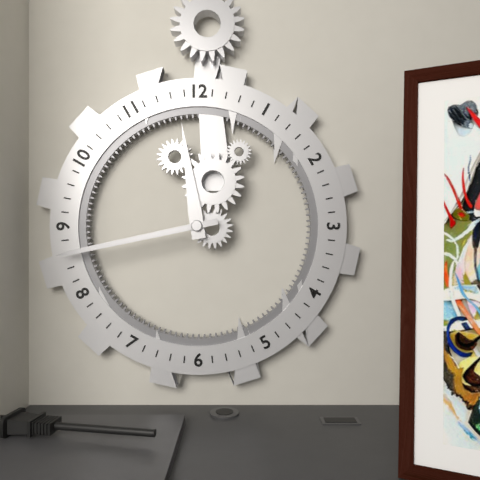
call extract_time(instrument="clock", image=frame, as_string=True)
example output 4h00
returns 11h43
